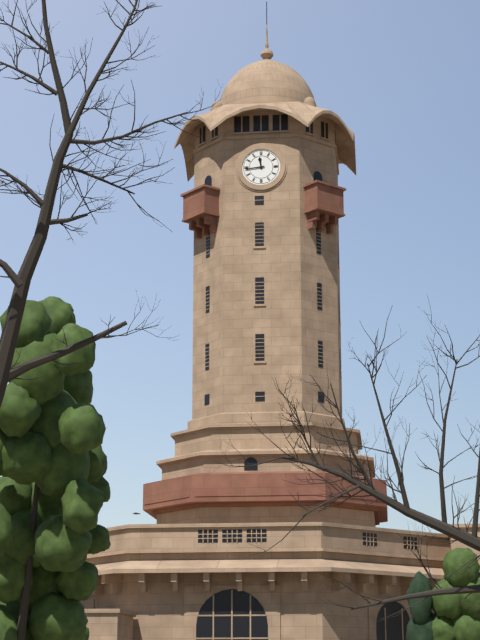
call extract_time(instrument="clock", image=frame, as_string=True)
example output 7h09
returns 11h44
